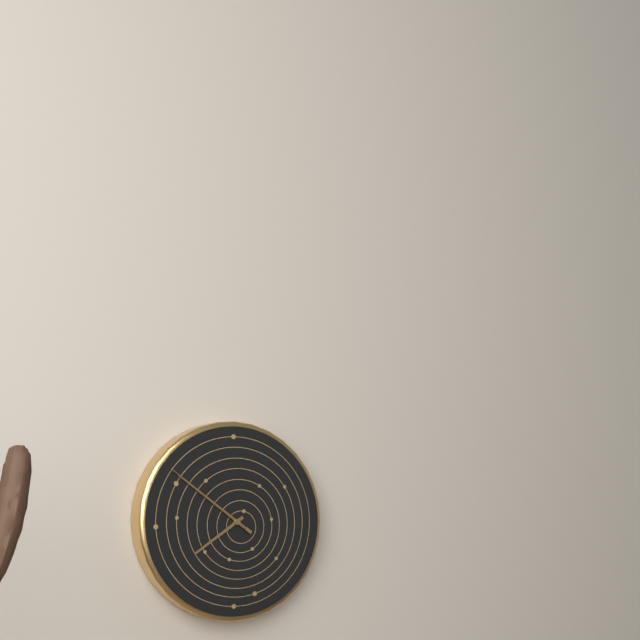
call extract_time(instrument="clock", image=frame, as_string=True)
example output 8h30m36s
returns 7h51m51s
